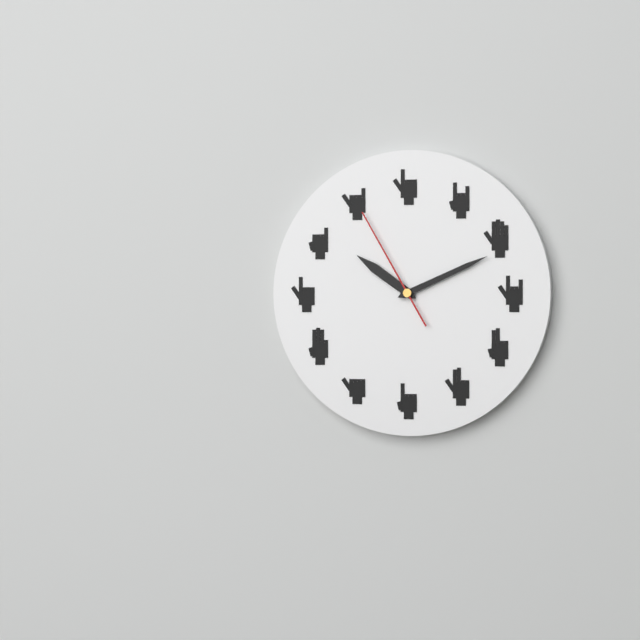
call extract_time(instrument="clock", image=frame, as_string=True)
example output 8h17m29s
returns 10h11m55s
